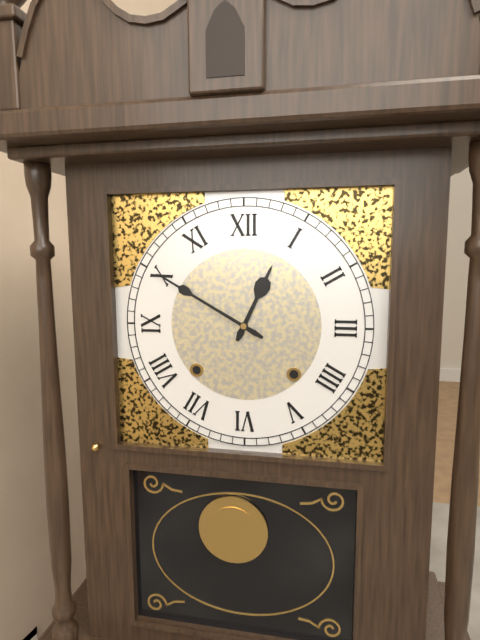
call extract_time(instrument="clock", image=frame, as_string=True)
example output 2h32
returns 12h50
